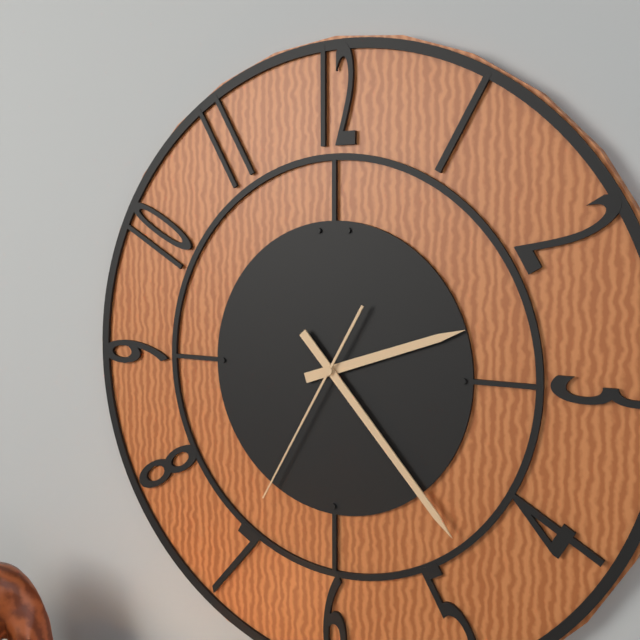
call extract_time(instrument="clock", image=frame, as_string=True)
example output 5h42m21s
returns 2h23m35s
